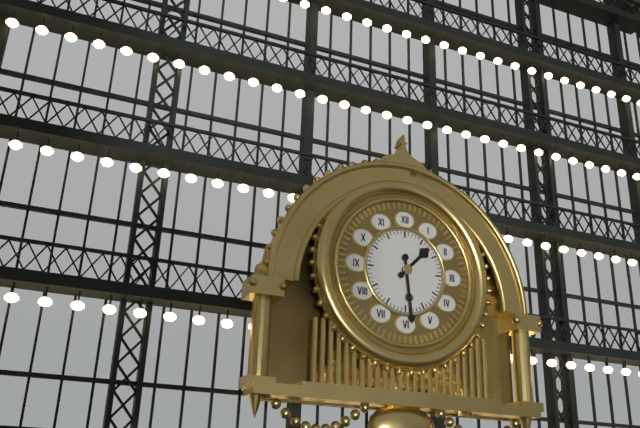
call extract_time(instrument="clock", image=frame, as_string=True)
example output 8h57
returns 1h29
